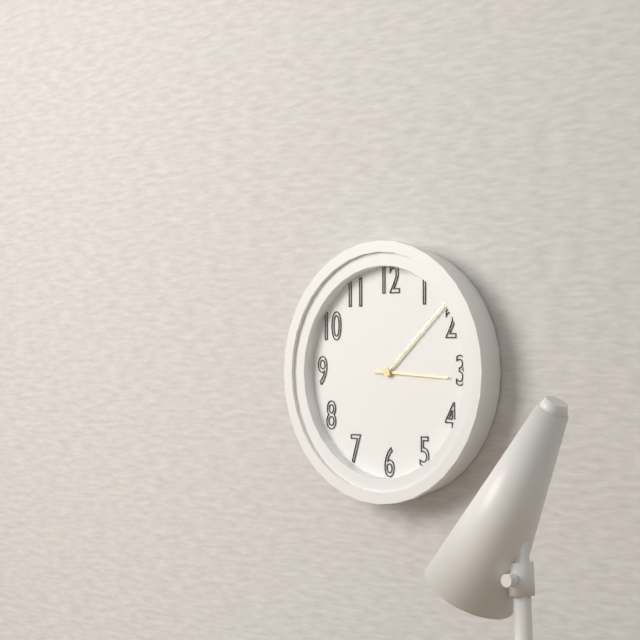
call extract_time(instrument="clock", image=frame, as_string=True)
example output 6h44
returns 3h08
